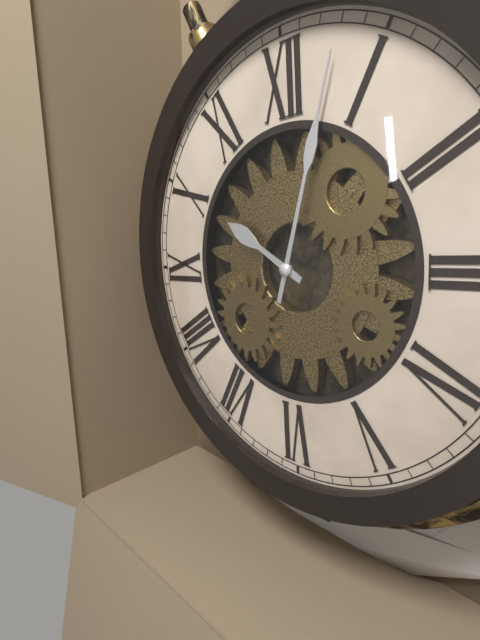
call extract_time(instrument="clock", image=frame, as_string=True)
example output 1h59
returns 10h03
